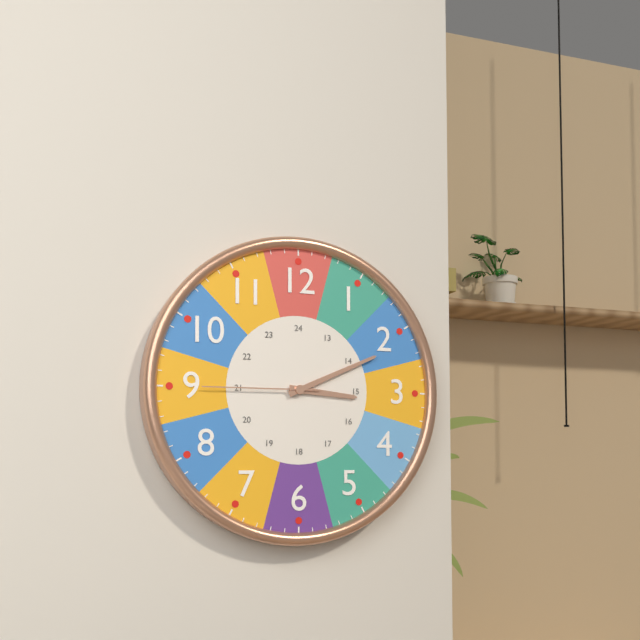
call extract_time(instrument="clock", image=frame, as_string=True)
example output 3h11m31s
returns 3h11m45s
